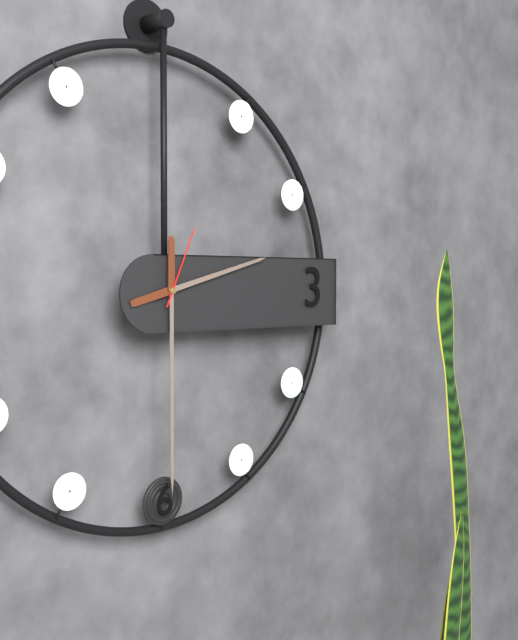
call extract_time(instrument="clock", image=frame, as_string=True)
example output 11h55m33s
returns 2h30m04s
